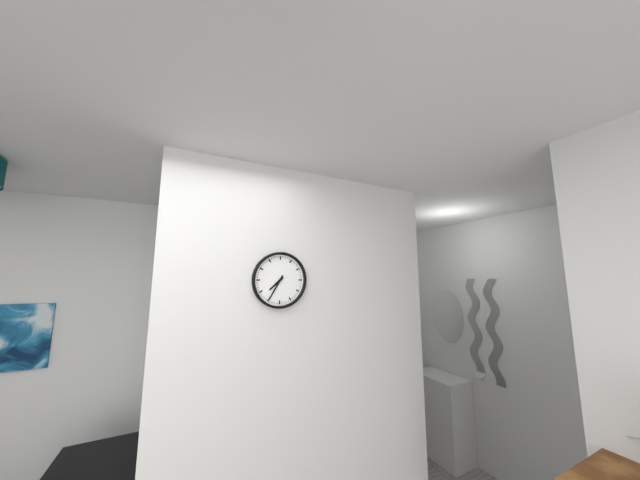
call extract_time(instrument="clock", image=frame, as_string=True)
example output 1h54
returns 7h35
